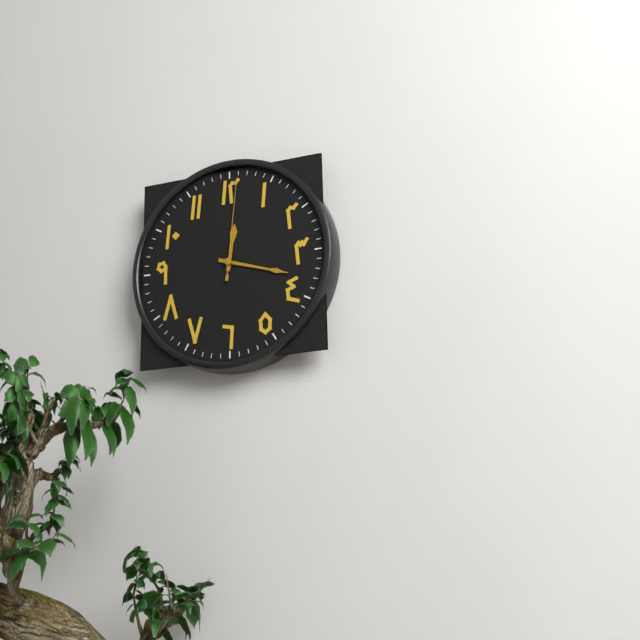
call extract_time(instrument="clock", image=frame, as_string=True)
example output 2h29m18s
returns 12h18m01s
